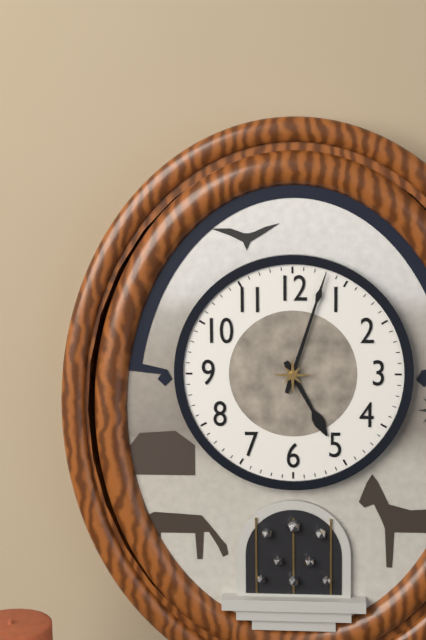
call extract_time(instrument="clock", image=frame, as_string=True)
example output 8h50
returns 5h03
